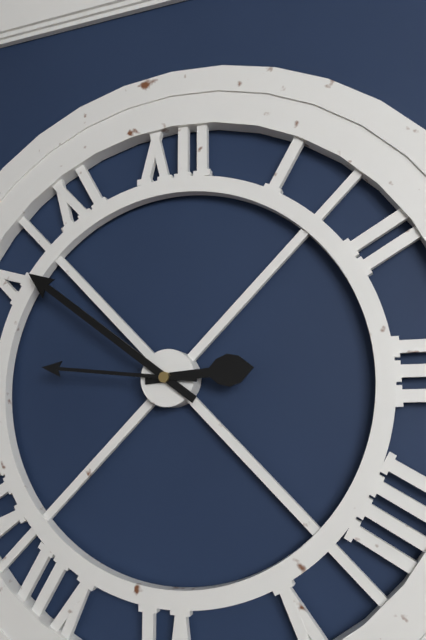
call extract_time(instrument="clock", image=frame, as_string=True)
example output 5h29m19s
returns 2h51m46s
